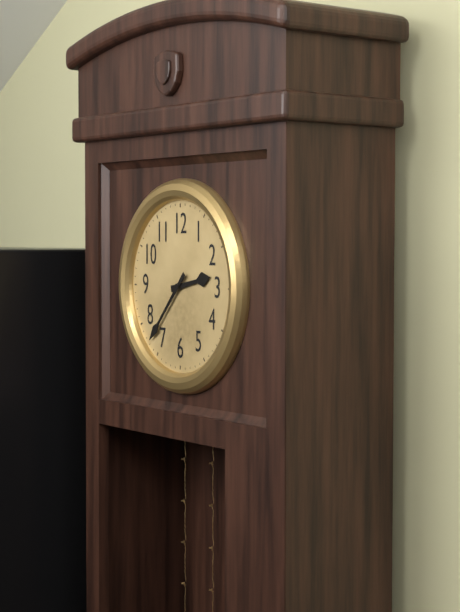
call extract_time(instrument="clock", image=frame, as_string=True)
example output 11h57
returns 2h37
